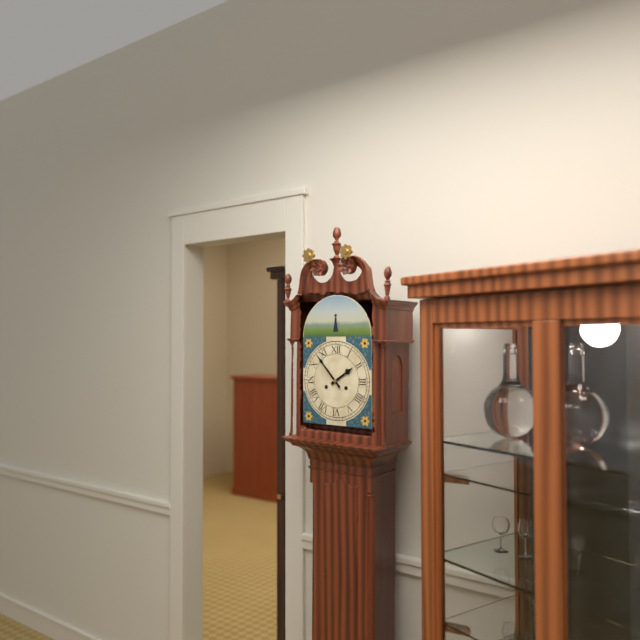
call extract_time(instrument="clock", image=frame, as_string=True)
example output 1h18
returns 1h53
